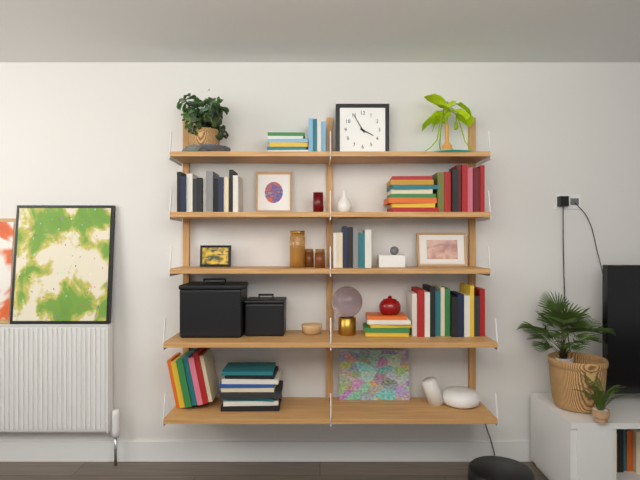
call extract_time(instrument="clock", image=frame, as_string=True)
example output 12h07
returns 3h55
